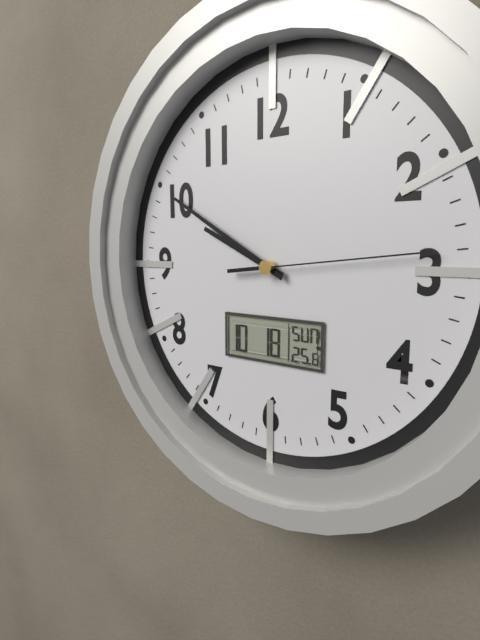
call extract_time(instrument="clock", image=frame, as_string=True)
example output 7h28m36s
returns 9h50m14s
